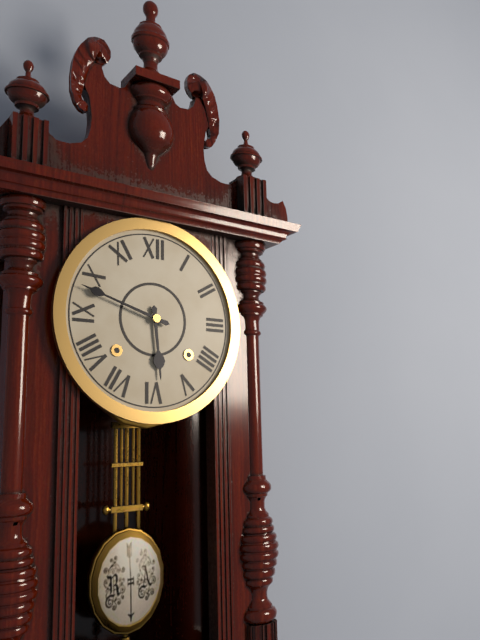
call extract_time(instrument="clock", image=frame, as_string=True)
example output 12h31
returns 5h48
